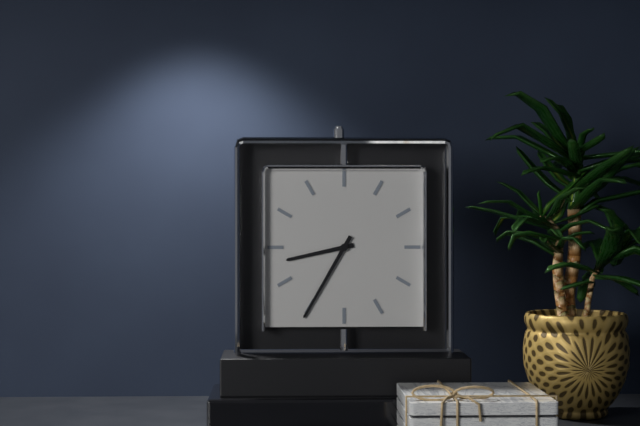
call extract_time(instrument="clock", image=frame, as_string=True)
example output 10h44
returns 8h35
